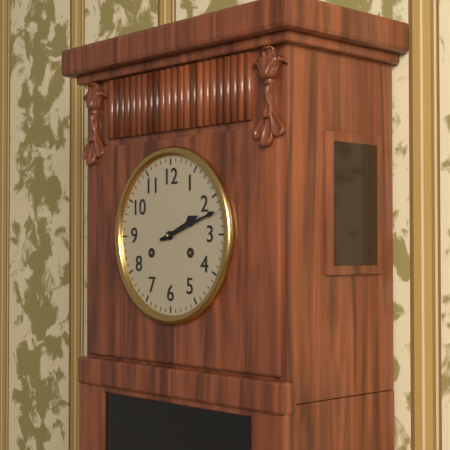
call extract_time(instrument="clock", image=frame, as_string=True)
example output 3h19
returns 2h12
